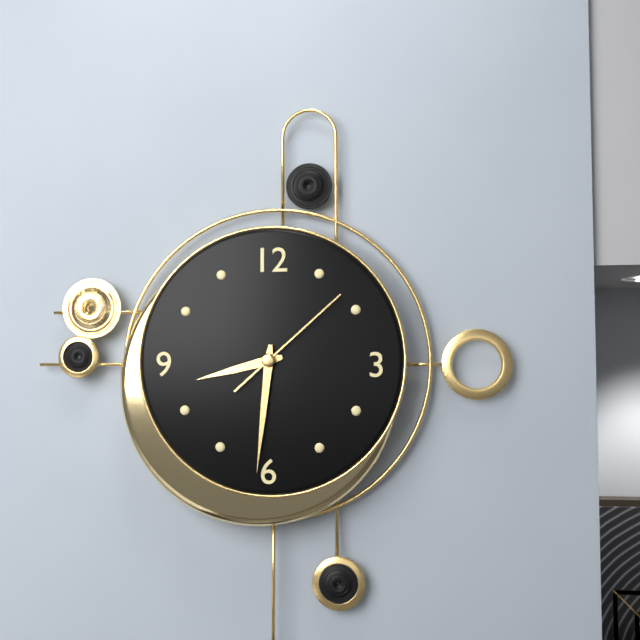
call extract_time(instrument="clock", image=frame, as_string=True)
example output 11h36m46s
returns 8h31m08s
